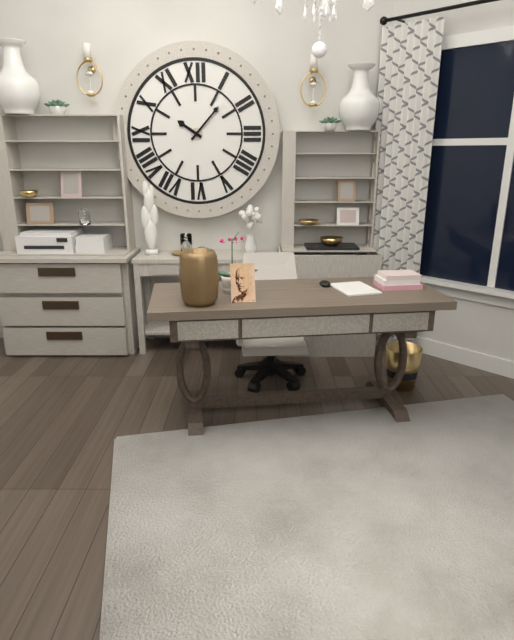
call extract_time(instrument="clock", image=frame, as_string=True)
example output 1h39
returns 10h07
